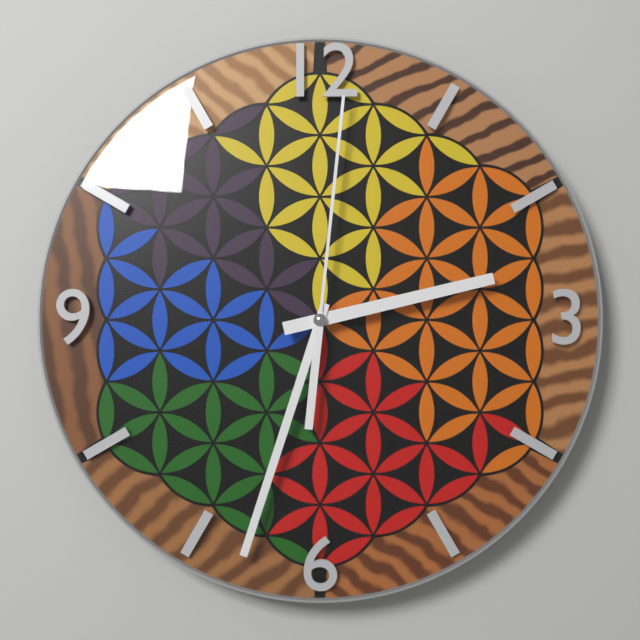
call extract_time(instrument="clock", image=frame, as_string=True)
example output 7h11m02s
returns 2h33m01s
